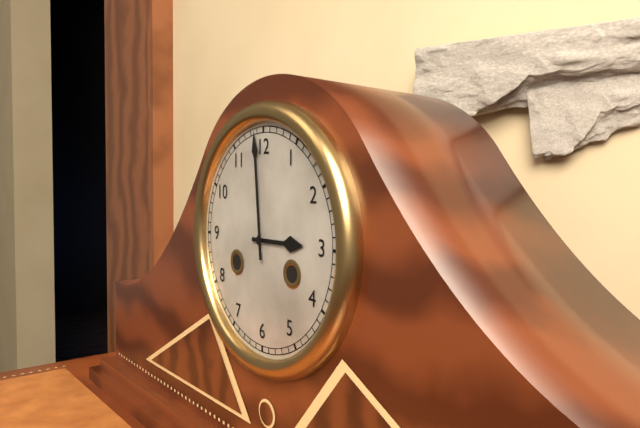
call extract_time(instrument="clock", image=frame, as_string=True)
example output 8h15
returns 2h59
